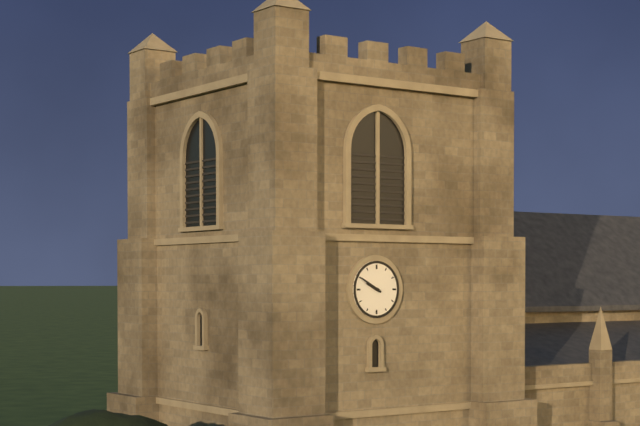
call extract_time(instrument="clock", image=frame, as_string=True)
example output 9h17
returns 9h50
